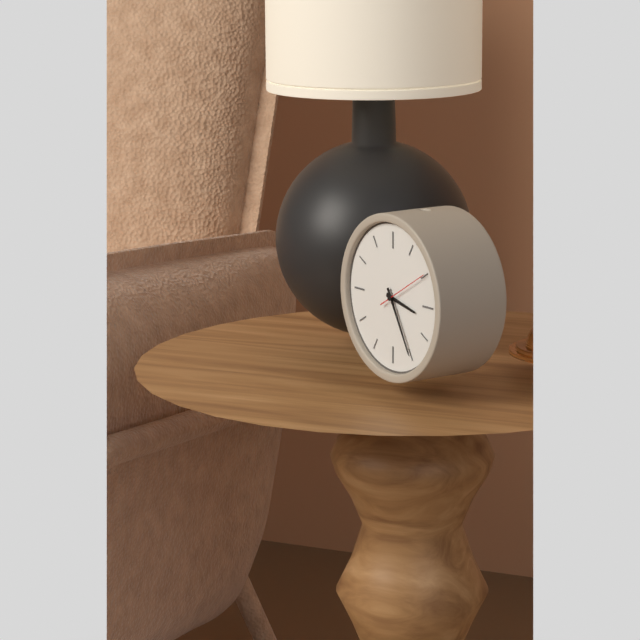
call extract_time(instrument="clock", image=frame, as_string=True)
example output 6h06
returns 3h25
